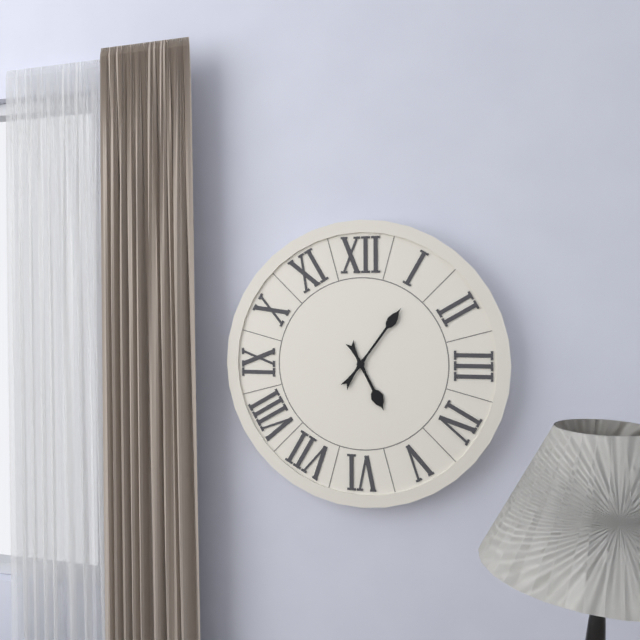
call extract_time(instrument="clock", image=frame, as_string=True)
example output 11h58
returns 5h06
